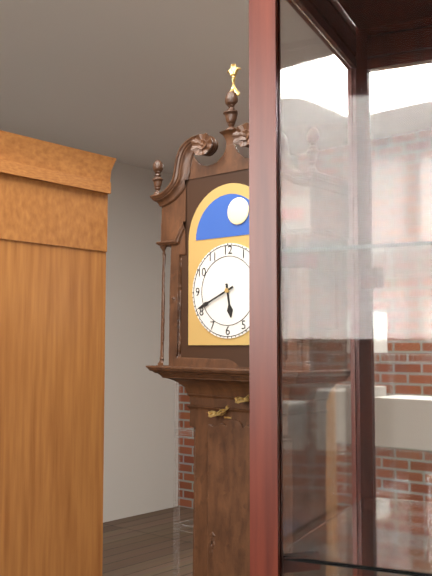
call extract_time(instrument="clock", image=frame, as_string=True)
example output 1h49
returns 5h41
